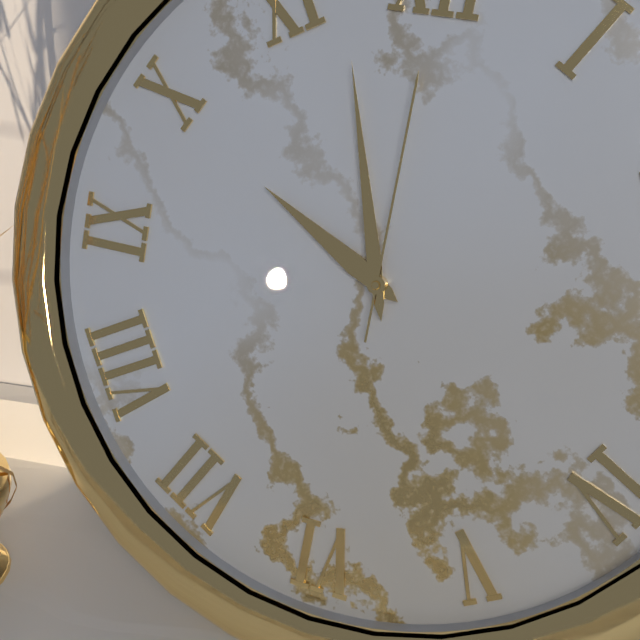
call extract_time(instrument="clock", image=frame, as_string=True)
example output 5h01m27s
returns 9h57m00s
